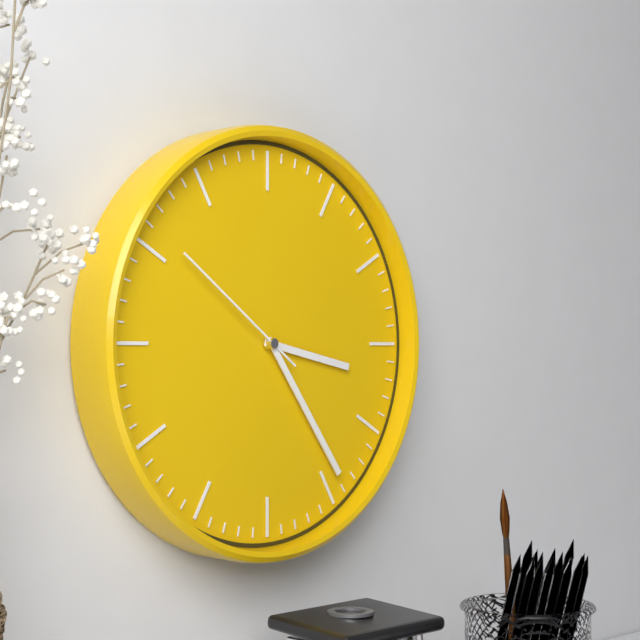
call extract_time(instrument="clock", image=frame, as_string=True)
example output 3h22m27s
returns 3h24m51s
